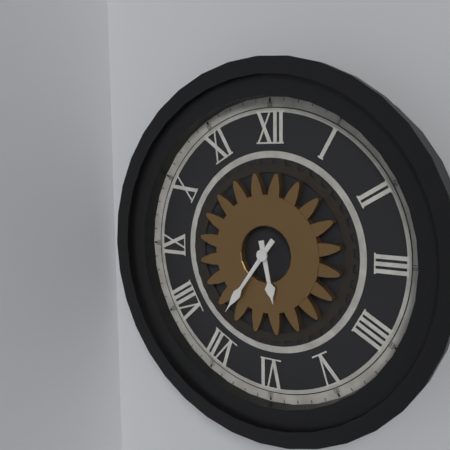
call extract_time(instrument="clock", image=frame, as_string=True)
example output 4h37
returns 5h36
